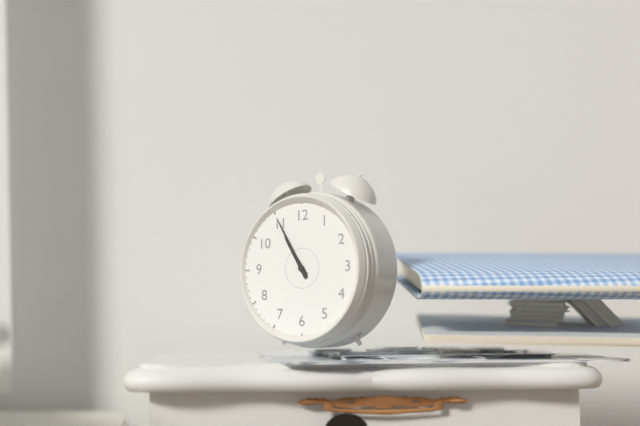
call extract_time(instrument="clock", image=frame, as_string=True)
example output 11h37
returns 10h55
